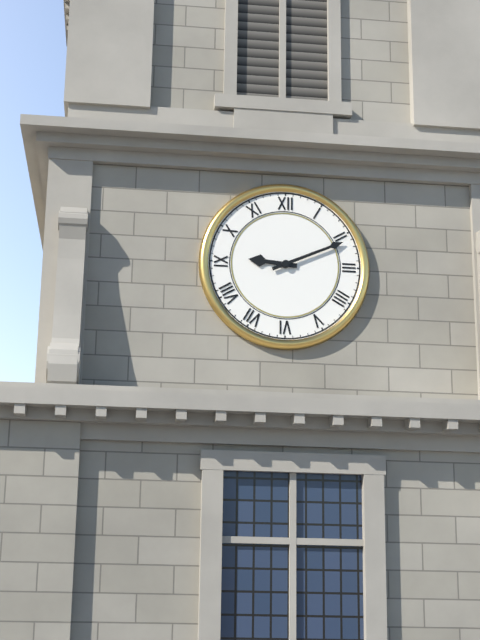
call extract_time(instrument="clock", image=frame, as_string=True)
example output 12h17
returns 9h11
